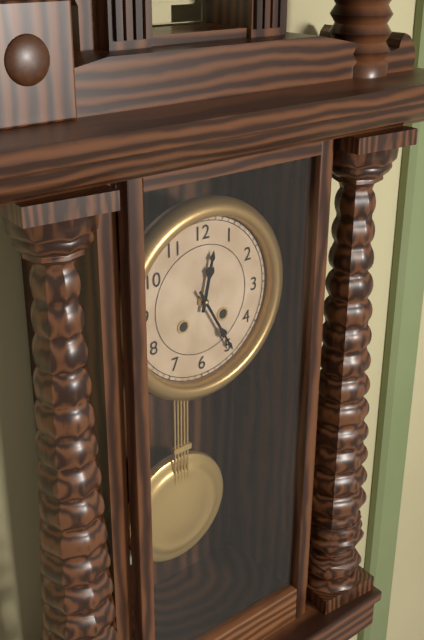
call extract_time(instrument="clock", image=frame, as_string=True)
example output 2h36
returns 12h25
